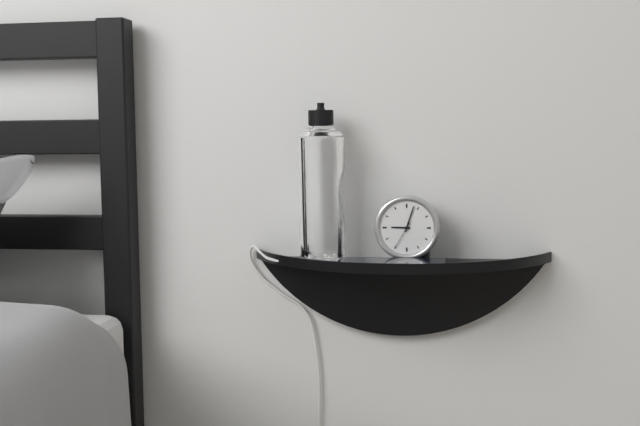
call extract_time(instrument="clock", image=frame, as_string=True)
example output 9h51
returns 9h03
